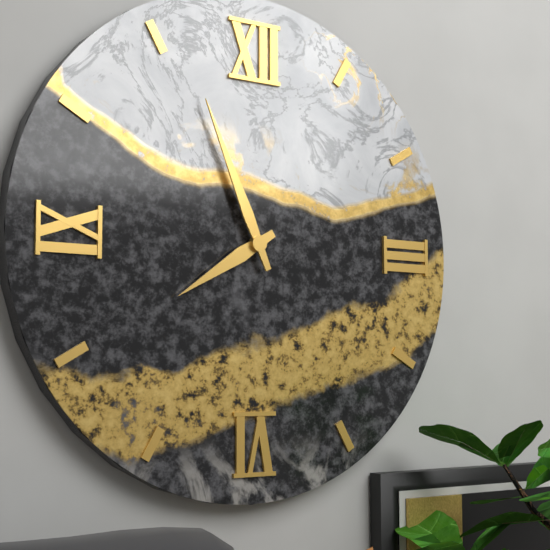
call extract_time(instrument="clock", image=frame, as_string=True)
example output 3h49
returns 7h56
